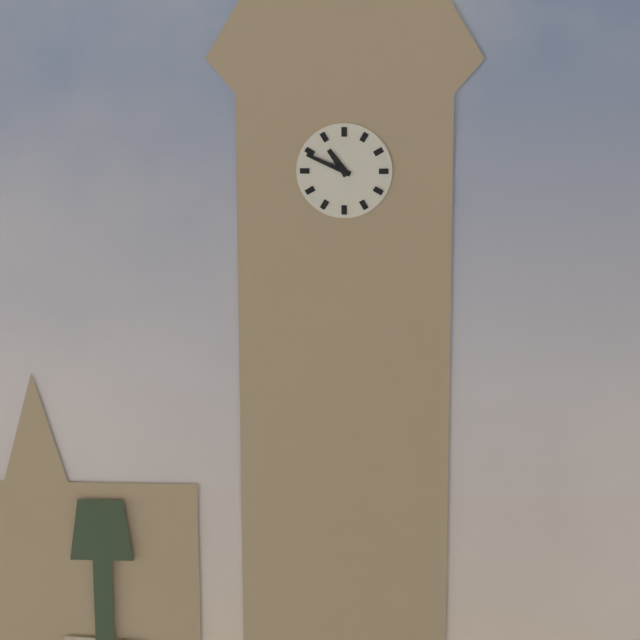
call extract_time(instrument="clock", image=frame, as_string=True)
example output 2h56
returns 10h49
